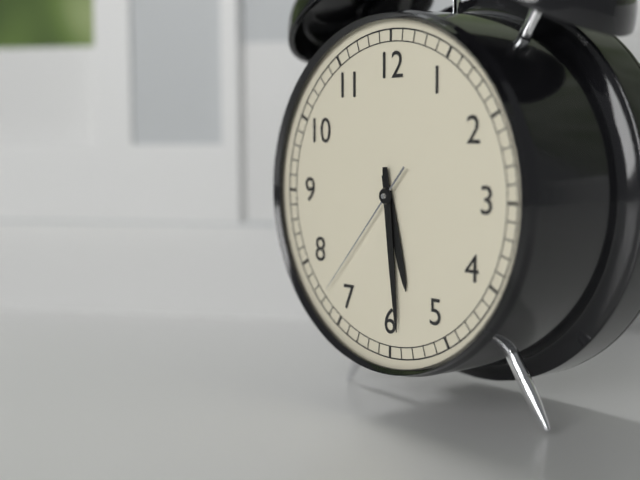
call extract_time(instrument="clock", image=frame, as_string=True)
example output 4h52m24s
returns 5h29m37s
